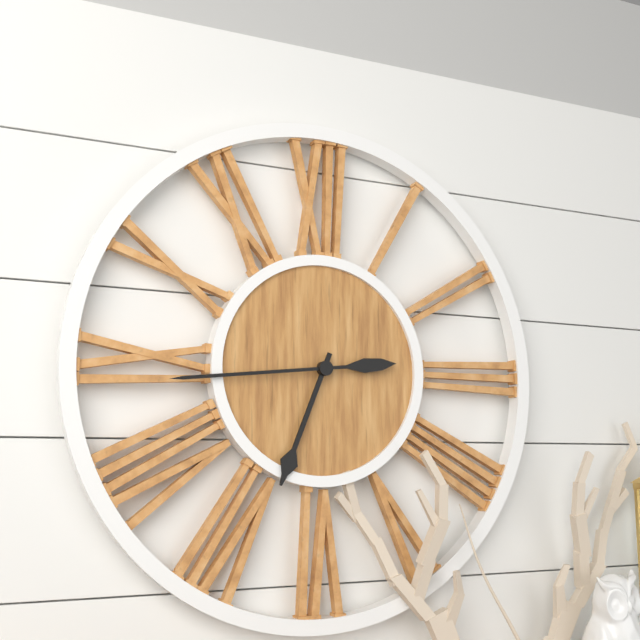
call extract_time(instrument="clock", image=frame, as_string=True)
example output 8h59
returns 6h44
